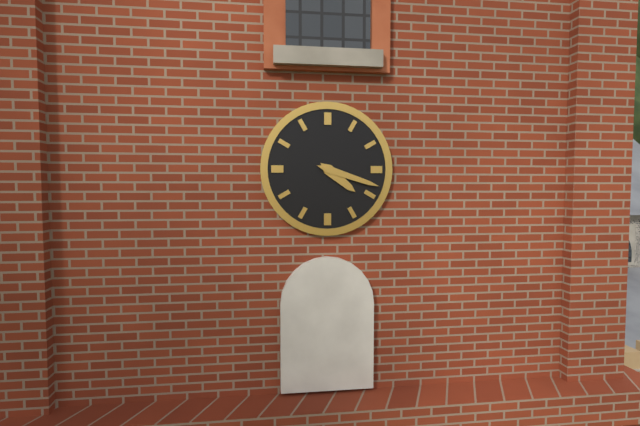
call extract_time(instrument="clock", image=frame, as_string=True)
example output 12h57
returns 4h18
